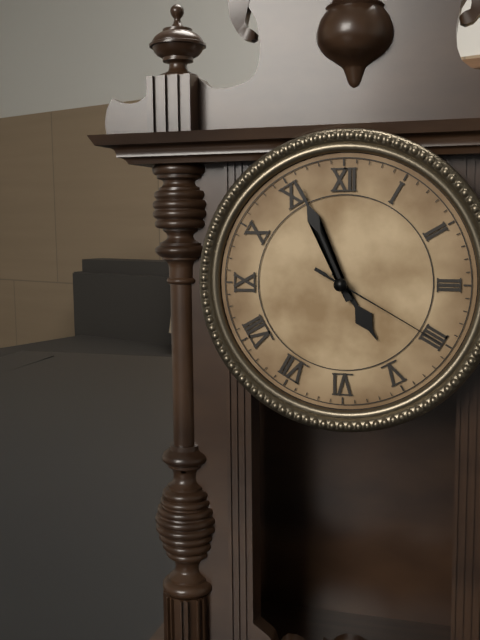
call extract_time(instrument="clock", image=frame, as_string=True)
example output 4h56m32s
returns 4h56m20s
